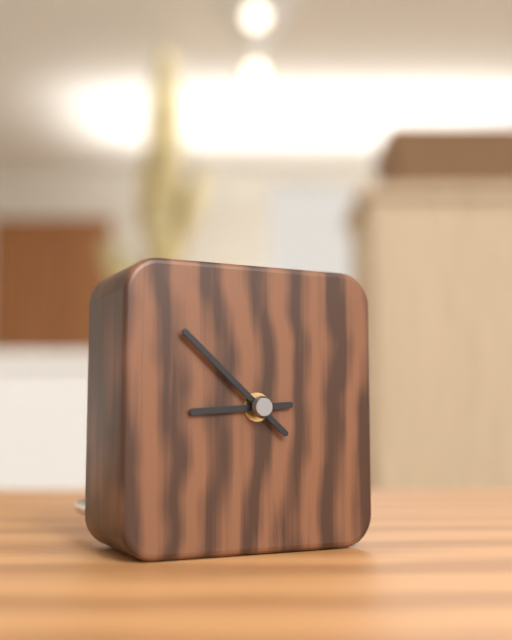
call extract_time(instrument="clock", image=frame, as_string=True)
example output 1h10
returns 8h52
